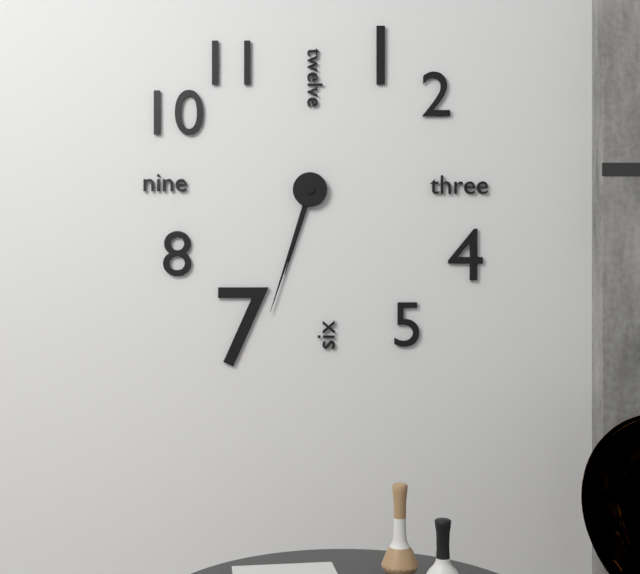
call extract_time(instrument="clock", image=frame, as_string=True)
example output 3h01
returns 6h33
